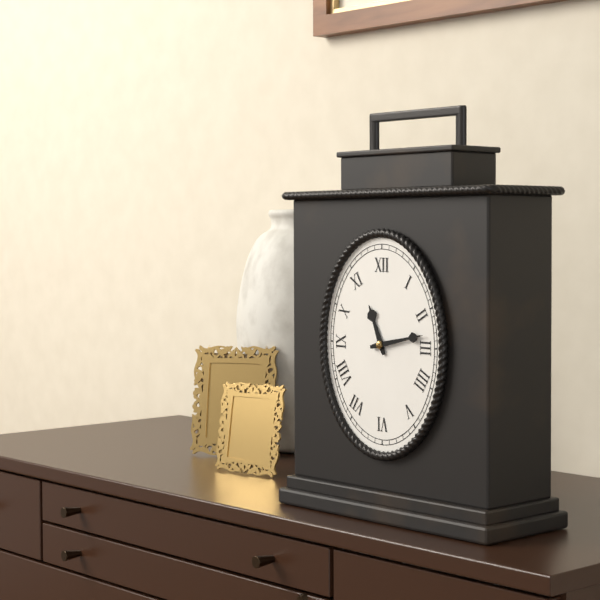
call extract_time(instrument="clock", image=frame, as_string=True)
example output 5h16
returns 11h13
